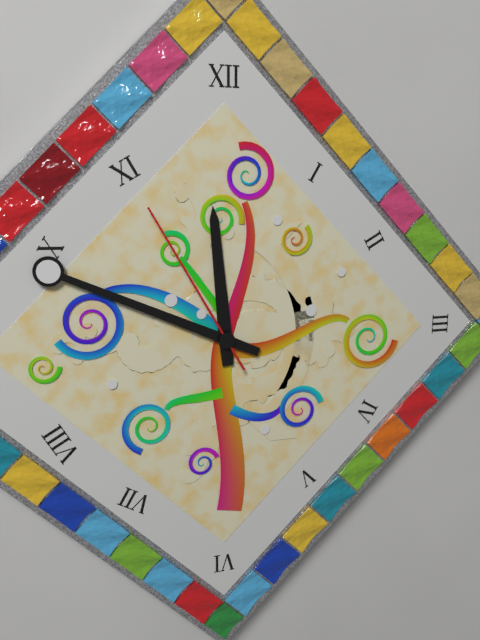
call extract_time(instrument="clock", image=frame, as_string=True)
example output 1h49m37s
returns 11h49m55s
